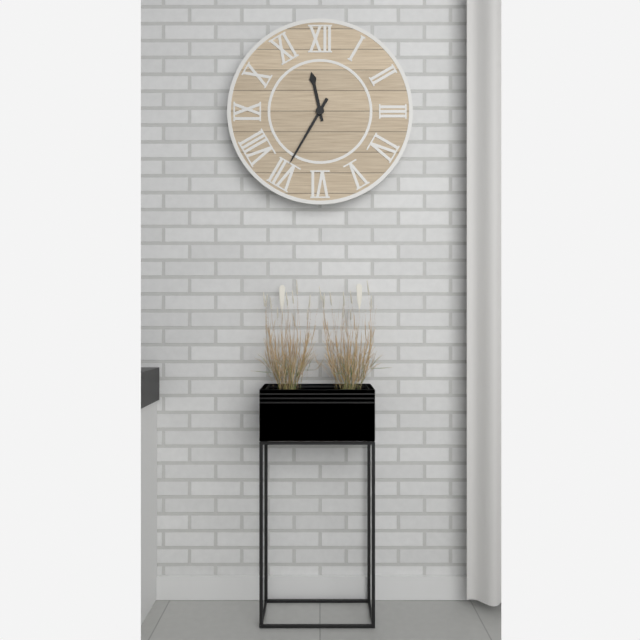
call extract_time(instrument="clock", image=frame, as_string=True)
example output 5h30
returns 11h35
